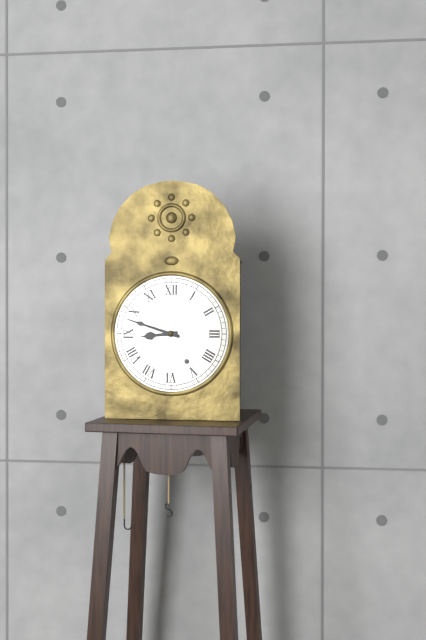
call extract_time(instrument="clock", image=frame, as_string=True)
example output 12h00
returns 8h48
